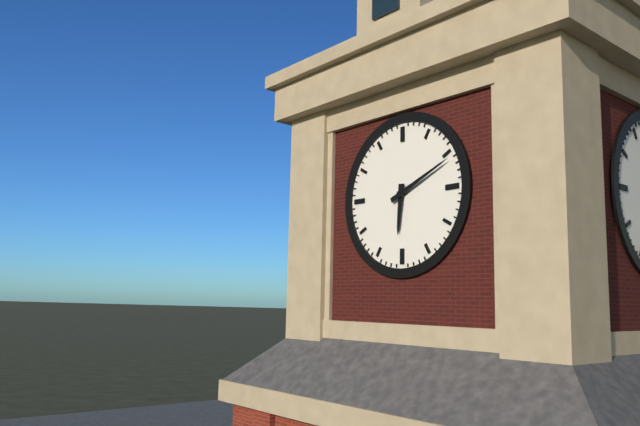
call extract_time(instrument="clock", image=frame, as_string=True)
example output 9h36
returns 6h11
